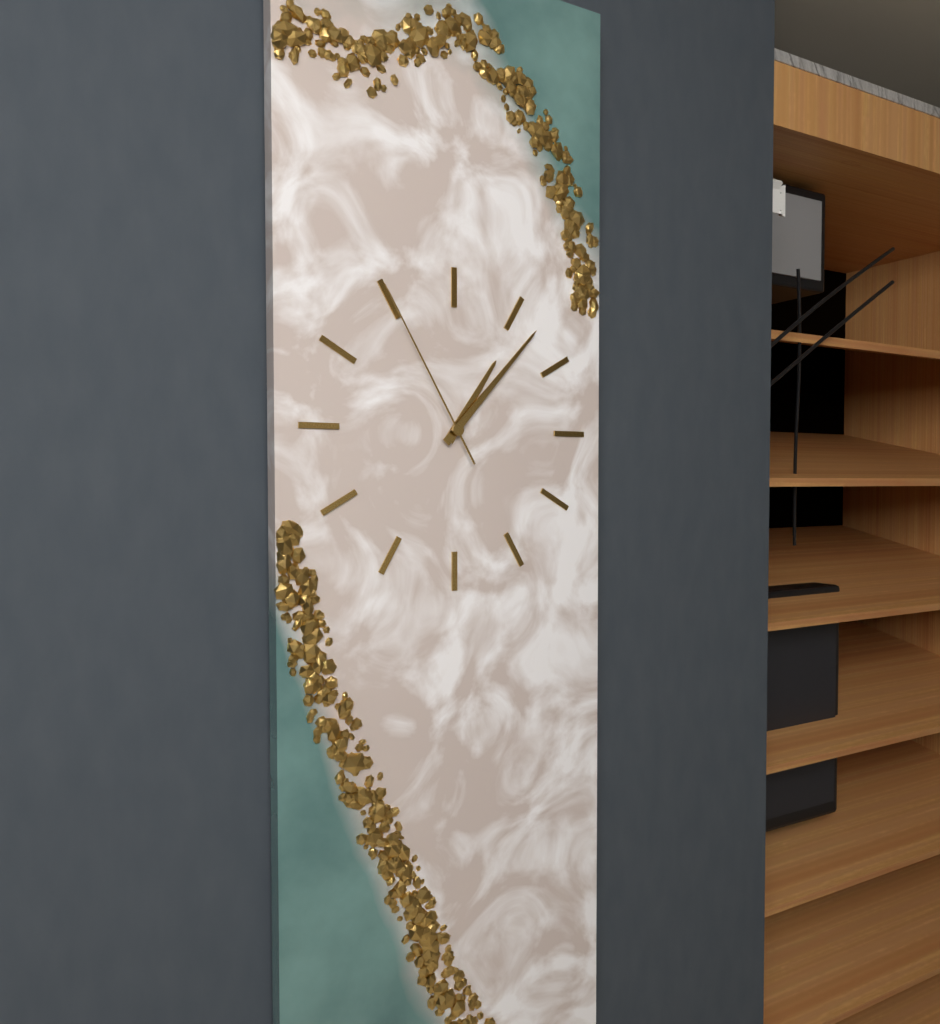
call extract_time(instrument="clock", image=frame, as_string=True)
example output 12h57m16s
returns 1h07m55s
